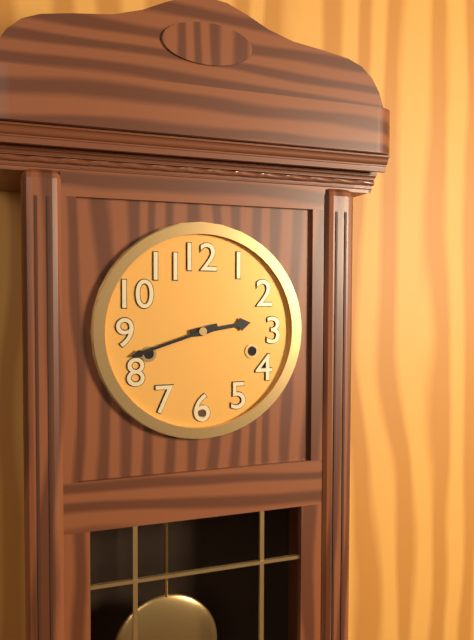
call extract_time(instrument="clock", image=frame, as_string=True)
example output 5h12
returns 2h42
